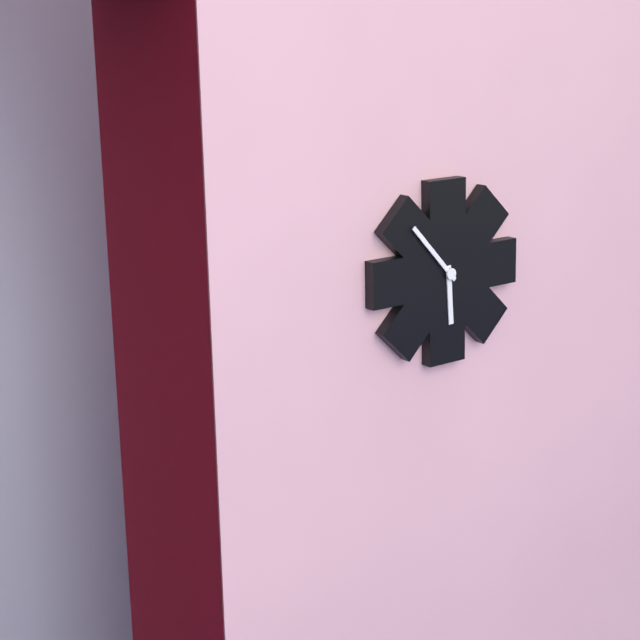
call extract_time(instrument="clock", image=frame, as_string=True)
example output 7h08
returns 5h53
